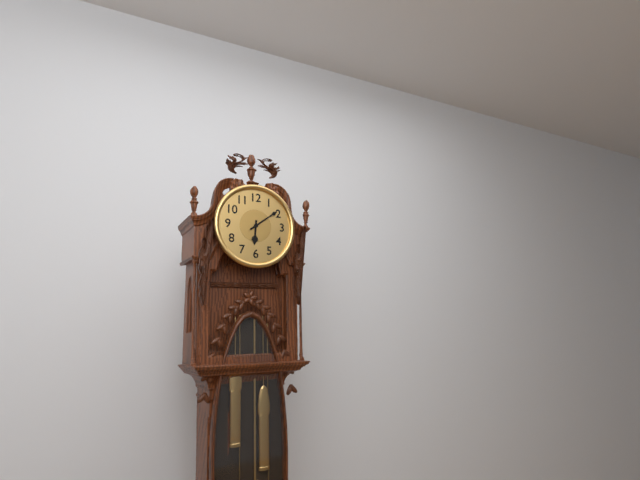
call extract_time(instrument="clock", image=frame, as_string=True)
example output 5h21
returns 6h09
